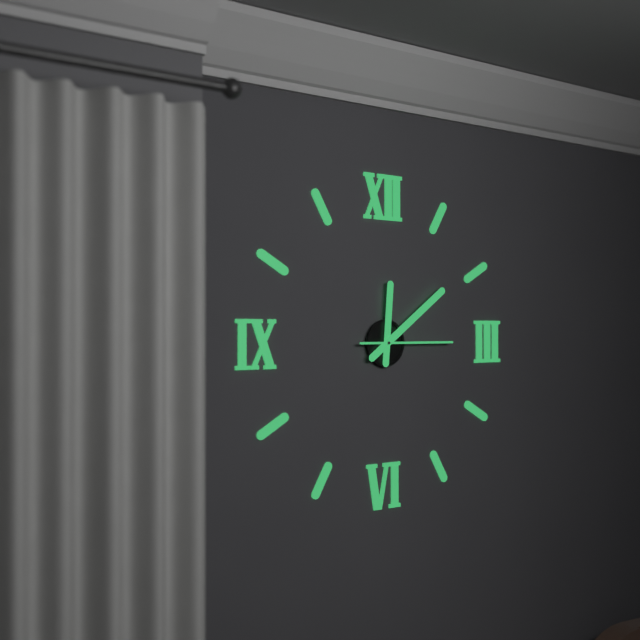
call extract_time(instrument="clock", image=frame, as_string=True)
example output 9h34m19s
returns 12h09m15s
